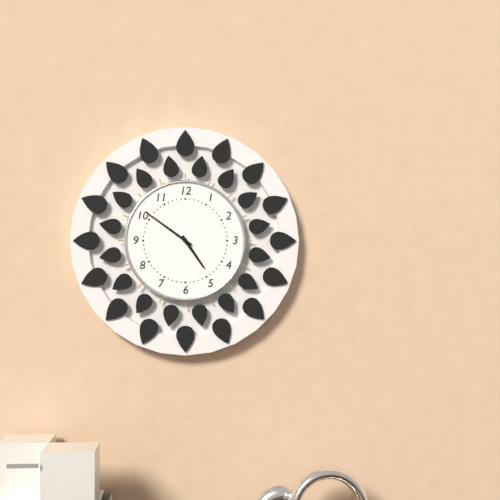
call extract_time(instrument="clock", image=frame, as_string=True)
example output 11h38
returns 4h51
